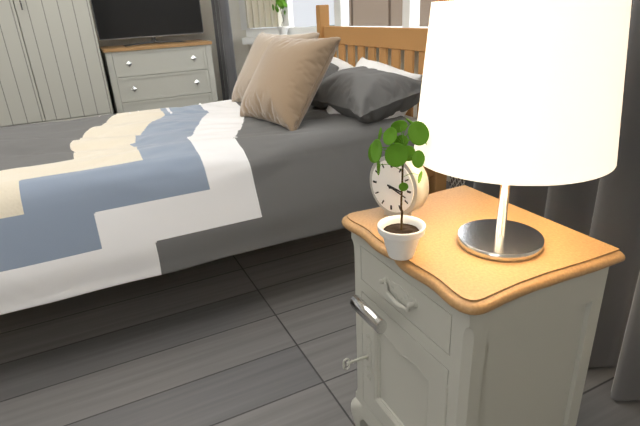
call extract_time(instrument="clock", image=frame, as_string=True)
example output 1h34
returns 3h18
